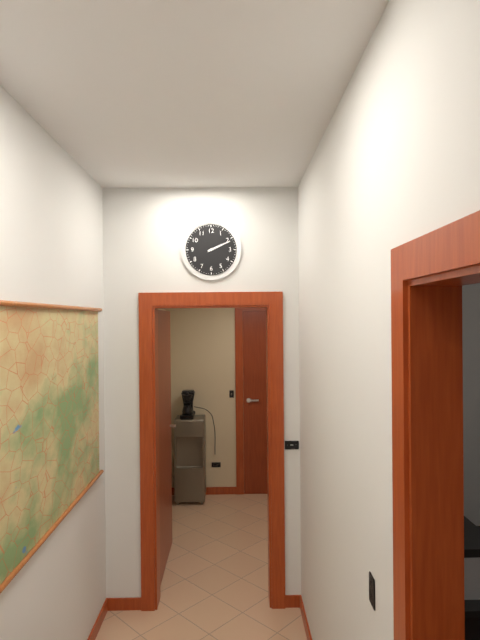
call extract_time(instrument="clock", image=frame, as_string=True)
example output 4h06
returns 2h11
